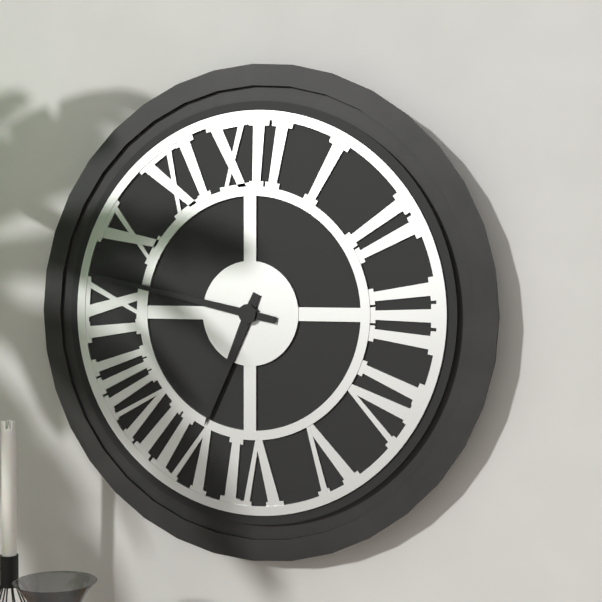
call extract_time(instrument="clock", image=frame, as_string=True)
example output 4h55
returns 6h47
